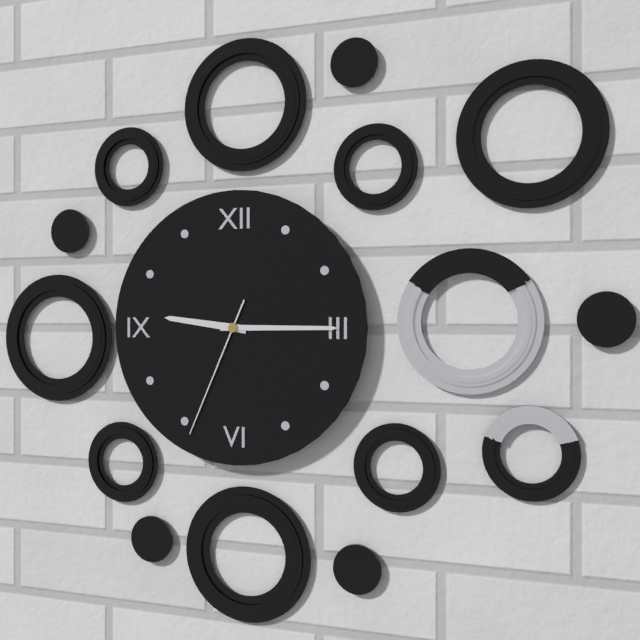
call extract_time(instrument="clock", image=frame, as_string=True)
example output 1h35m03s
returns 9h15m34s
